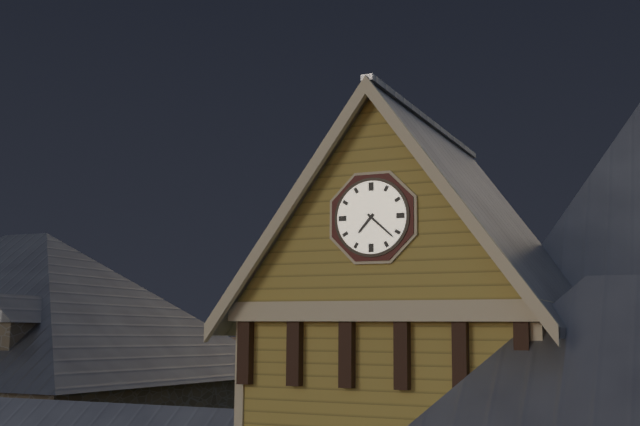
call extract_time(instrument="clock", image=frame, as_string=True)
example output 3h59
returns 7h22
